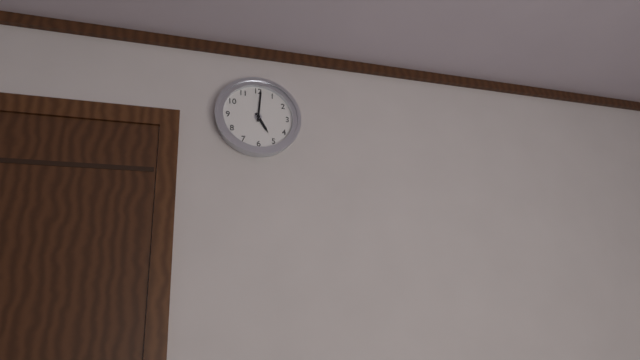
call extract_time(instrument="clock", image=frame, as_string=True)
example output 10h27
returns 5h01
